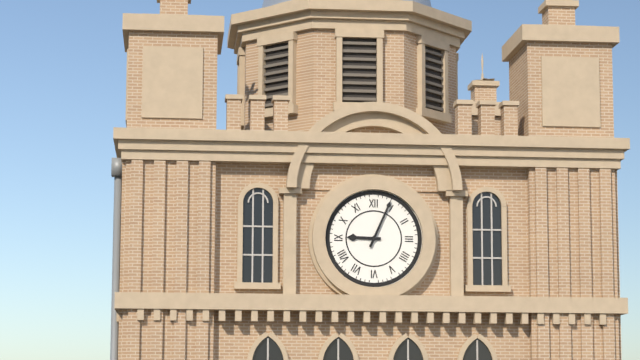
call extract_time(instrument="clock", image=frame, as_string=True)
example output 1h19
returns 9h04
